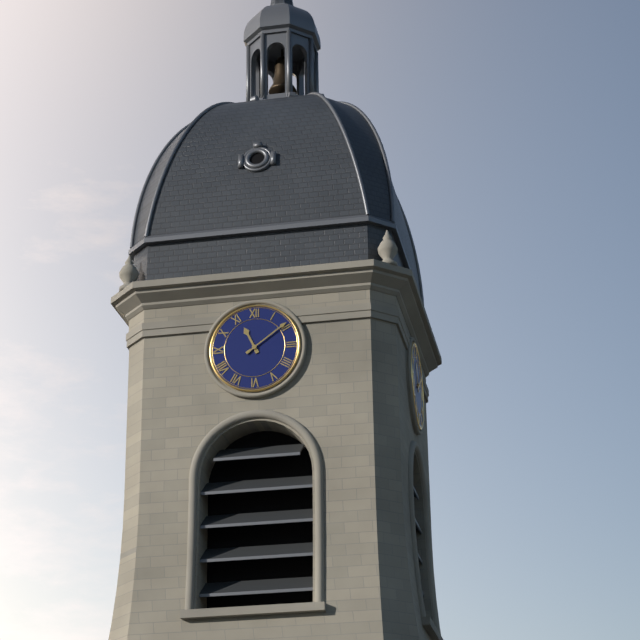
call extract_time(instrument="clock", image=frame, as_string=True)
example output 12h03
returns 11h09
